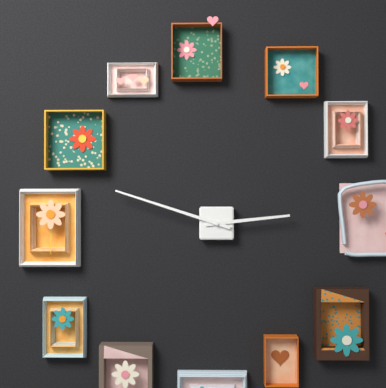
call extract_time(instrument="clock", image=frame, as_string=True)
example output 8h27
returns 2h48
